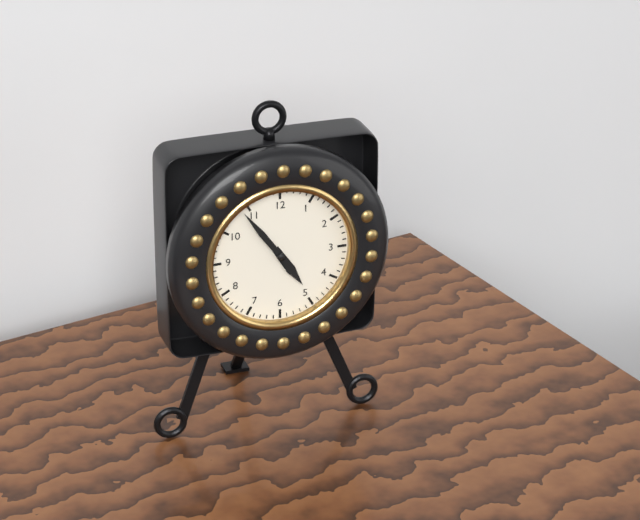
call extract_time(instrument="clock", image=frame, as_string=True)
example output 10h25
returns 4h54
